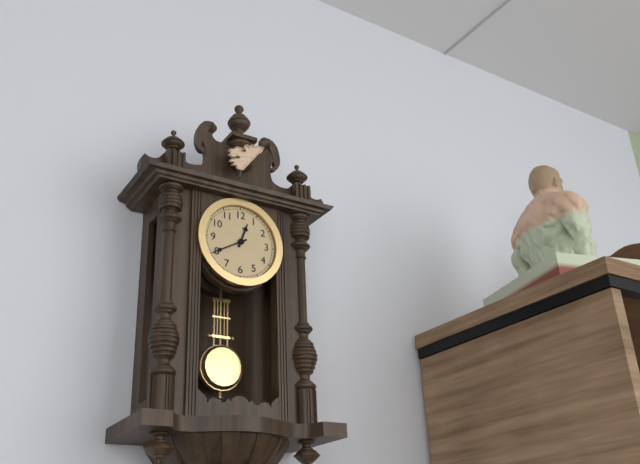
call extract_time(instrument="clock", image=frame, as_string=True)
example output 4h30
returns 12h40
